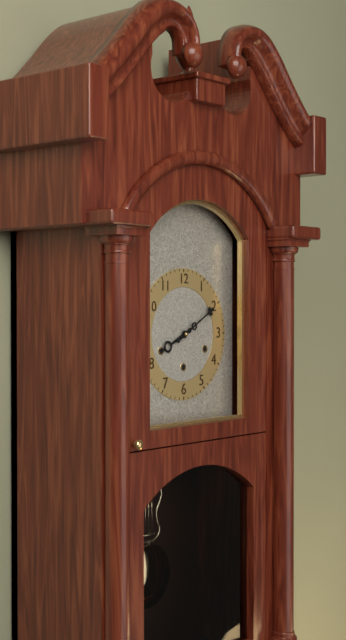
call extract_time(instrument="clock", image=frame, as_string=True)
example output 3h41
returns 8h10
